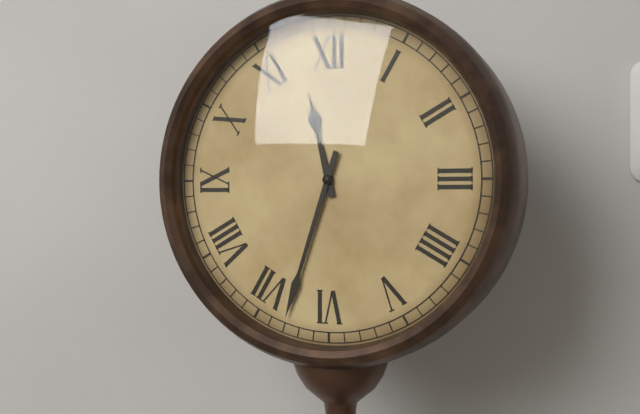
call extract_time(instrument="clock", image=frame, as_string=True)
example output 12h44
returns 11h33
